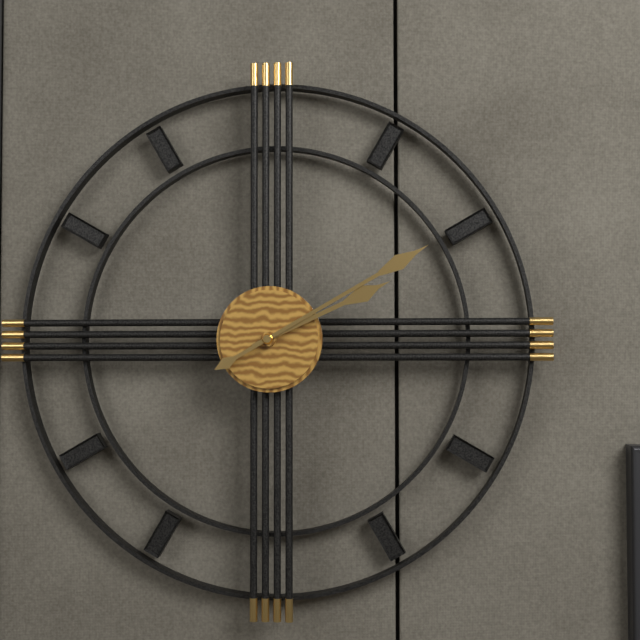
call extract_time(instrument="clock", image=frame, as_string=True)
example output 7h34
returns 2h10
